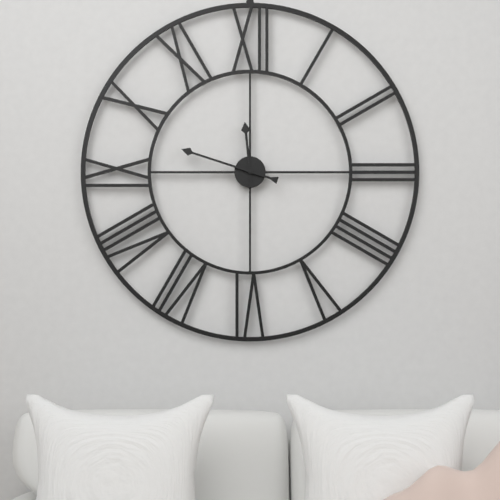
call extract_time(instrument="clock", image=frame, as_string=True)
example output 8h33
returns 11h48
